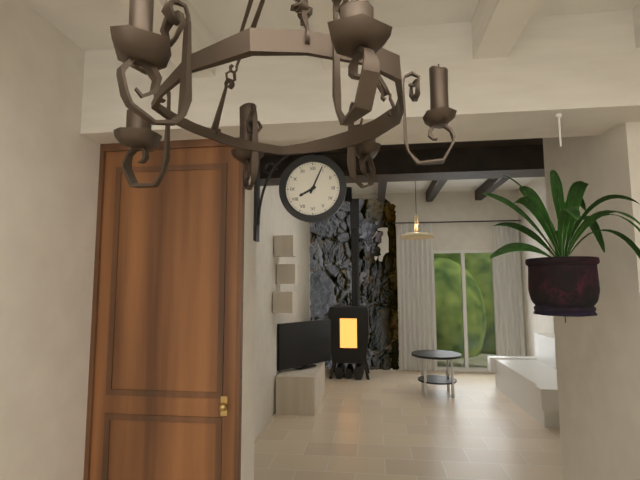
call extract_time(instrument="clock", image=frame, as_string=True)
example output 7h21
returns 8h04
